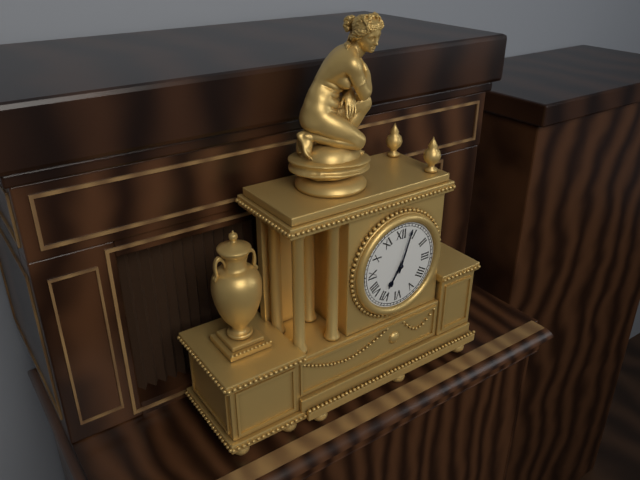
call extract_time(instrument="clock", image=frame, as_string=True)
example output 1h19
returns 7h03
